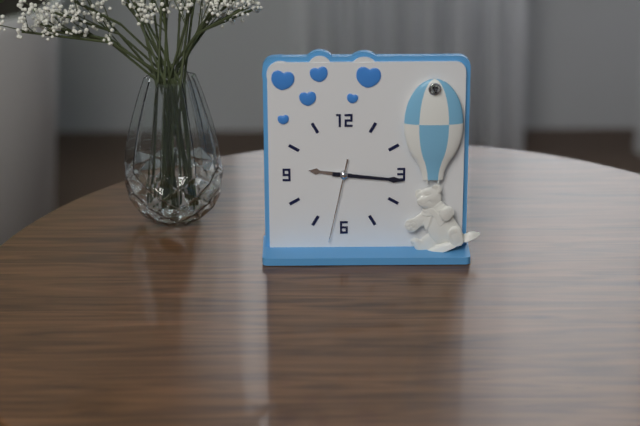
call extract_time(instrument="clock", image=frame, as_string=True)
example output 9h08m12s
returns 9h16m32s
